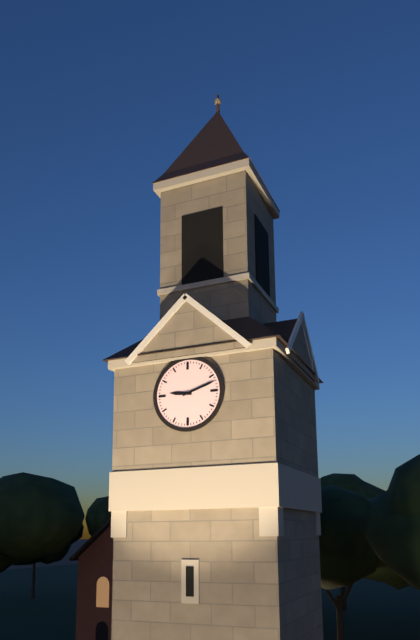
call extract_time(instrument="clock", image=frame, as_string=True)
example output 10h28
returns 9h12
